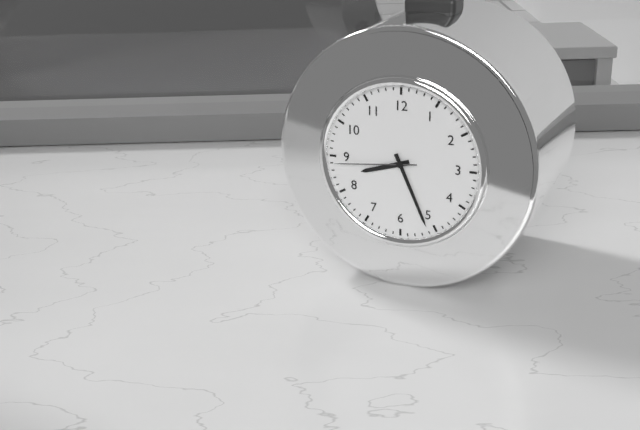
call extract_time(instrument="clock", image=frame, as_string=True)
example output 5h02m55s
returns 8h26m44s
